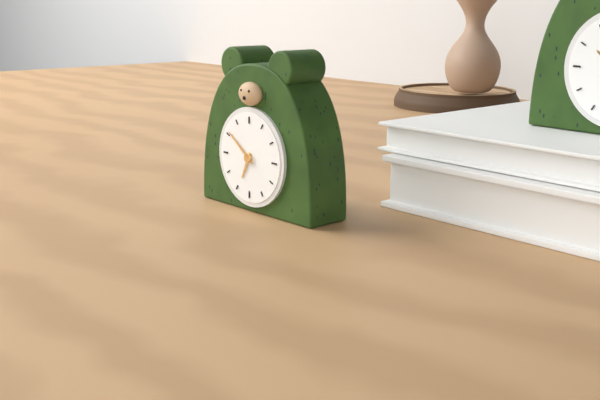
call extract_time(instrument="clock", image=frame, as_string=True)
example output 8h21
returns 6h51
